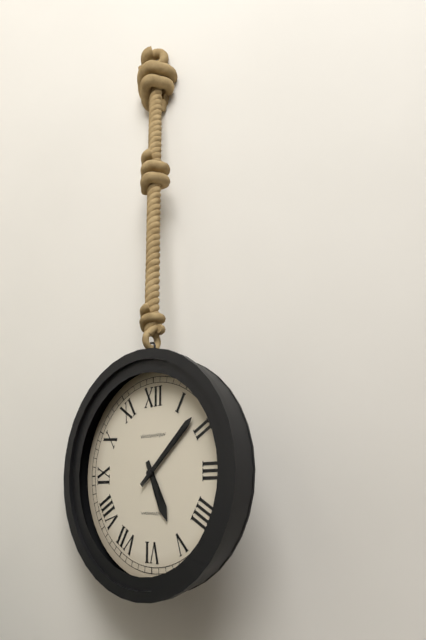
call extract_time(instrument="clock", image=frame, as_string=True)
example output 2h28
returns 5h08
